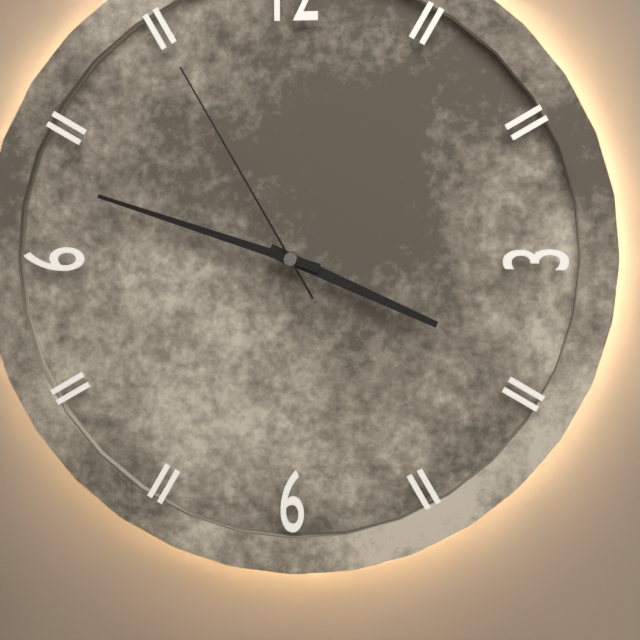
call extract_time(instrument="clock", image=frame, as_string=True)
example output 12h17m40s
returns 3h48m55s
